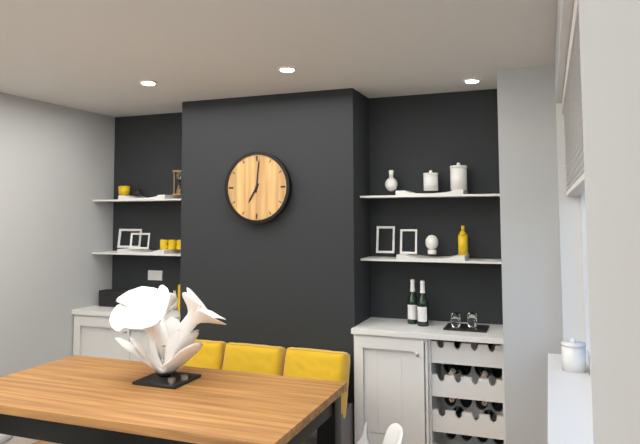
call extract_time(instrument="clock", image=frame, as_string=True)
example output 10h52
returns 7h01
